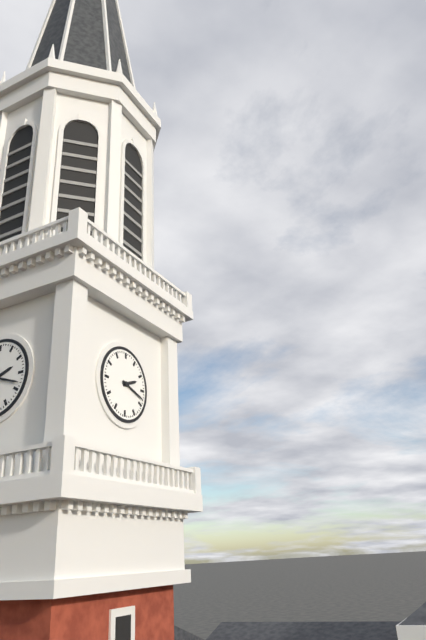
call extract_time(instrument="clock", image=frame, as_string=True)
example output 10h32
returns 2h18
